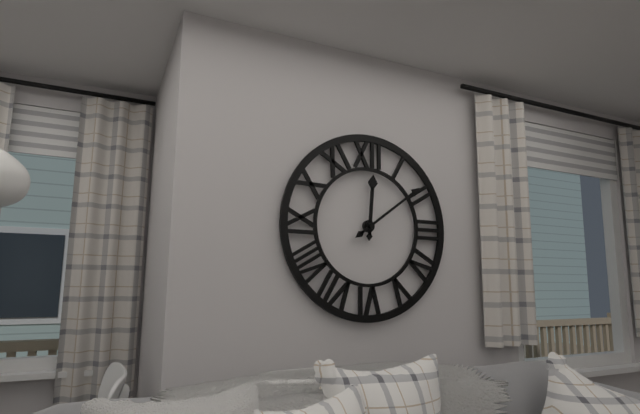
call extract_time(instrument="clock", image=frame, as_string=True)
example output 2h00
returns 12h09
